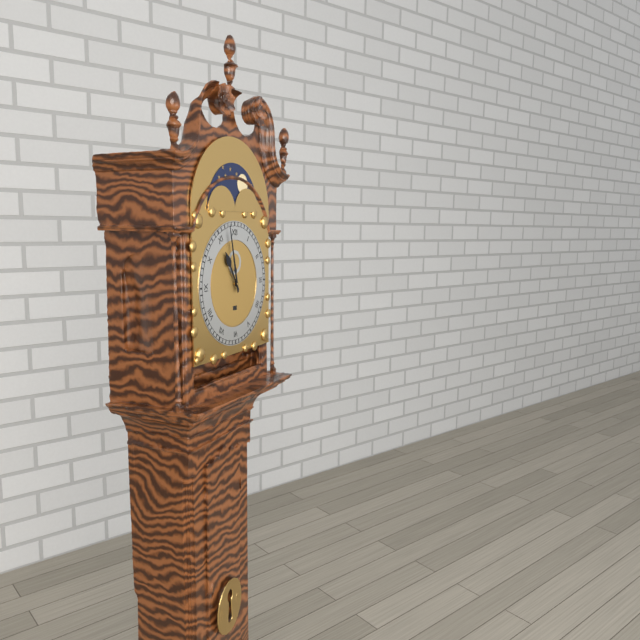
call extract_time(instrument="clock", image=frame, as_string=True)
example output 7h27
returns 10h58
